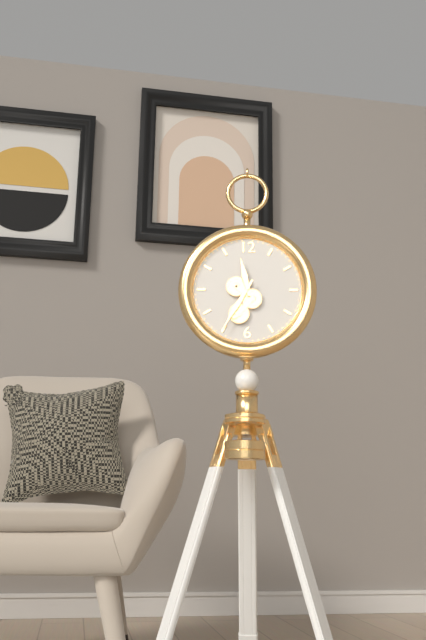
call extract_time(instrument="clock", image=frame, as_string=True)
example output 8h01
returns 11h35
